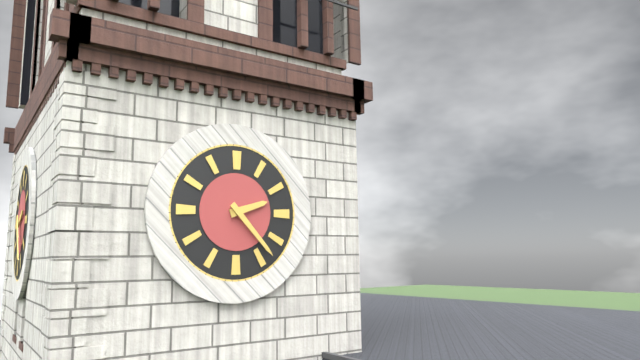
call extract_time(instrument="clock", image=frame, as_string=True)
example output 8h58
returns 2h23
